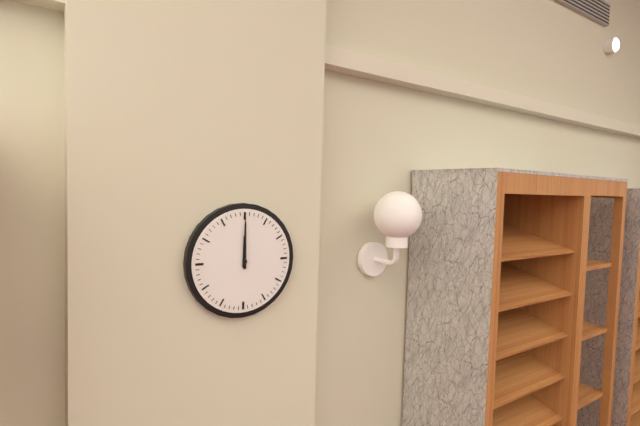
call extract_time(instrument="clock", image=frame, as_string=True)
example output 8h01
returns 12h00
